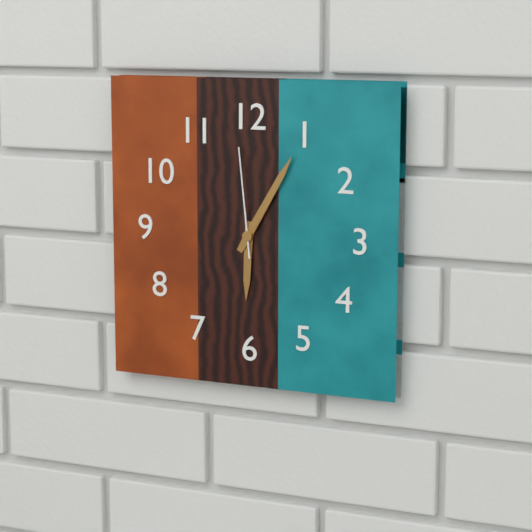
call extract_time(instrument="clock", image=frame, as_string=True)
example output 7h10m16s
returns 6h05m59s
